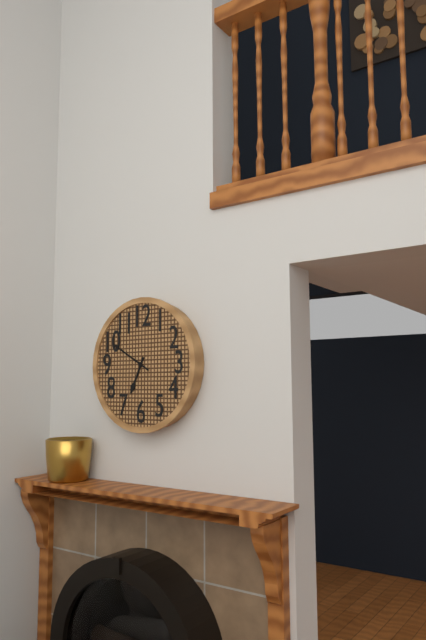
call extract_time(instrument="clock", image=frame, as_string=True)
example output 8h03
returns 6h50
